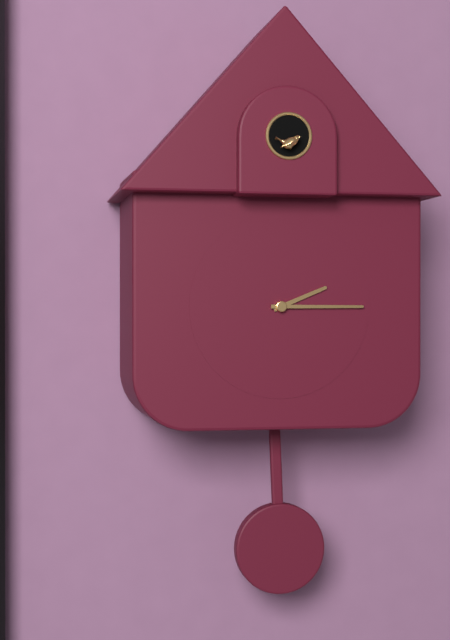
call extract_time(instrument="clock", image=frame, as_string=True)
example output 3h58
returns 2h15
